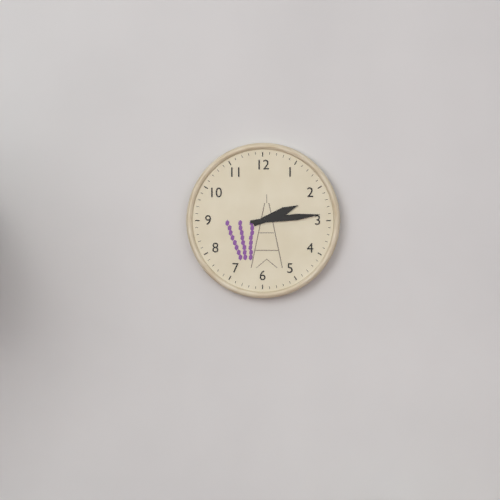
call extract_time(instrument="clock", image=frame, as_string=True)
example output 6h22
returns 2h14
